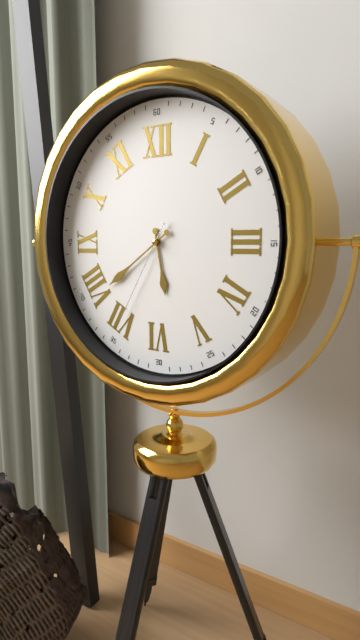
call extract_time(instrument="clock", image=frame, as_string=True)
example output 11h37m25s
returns 5h39m35s
